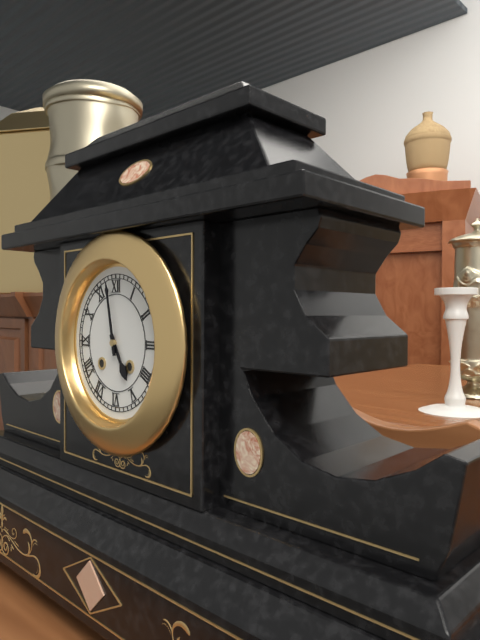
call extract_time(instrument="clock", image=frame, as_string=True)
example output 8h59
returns 4h58
